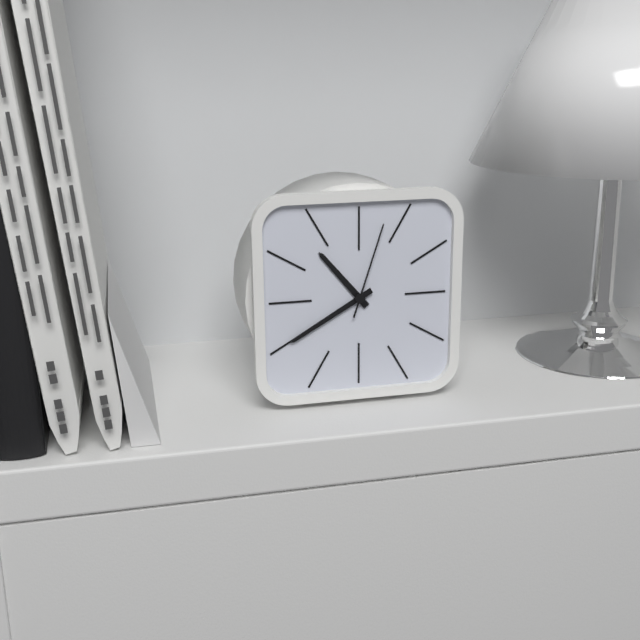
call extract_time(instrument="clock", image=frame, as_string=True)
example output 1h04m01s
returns 10h40m03s
